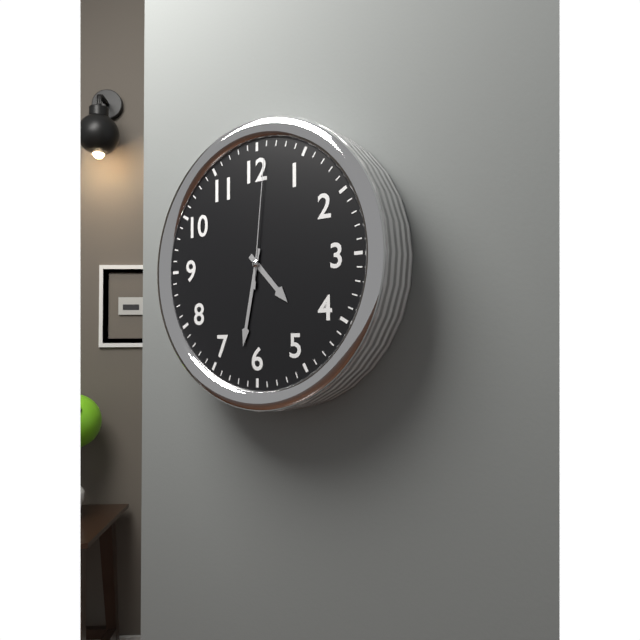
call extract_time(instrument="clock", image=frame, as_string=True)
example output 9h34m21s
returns 4h32m01s
